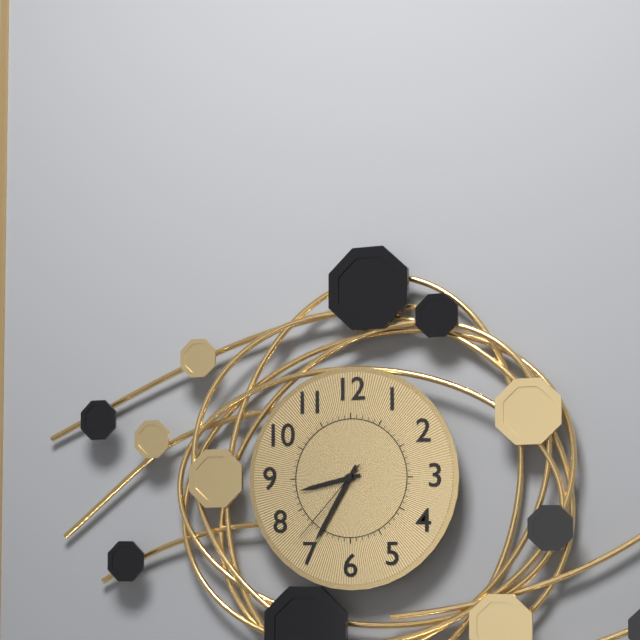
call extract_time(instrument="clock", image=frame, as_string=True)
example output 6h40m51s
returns 8h35m37s
